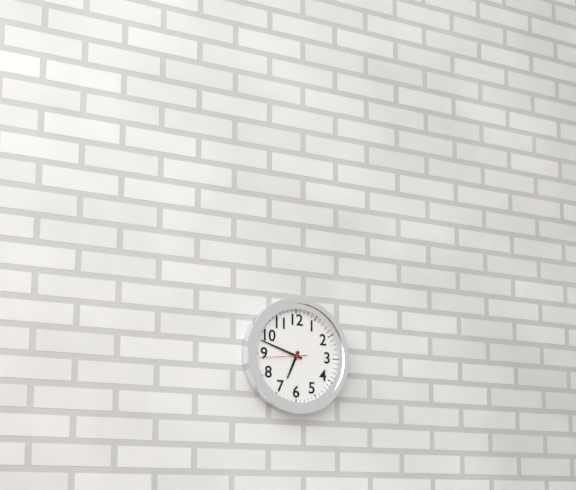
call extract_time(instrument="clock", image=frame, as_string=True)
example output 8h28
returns 6h48
